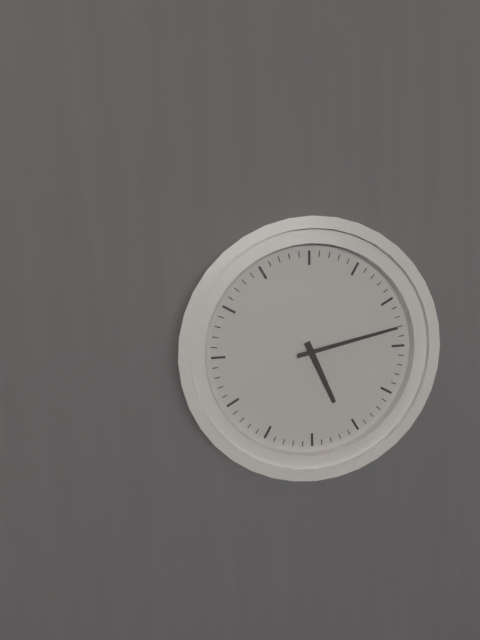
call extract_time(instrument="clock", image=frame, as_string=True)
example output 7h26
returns 5h13
